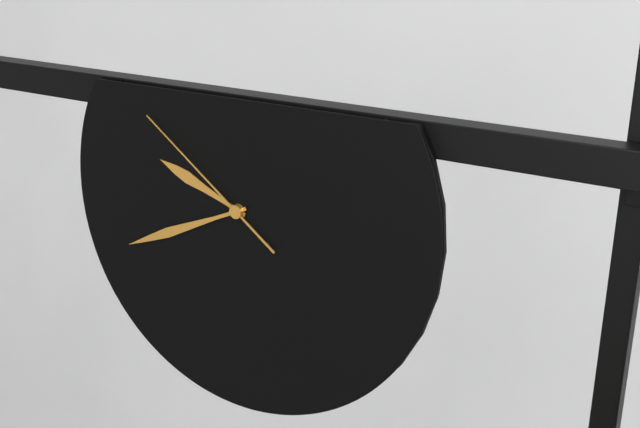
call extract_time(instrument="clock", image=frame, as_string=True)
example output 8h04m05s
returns 9h41m51s
